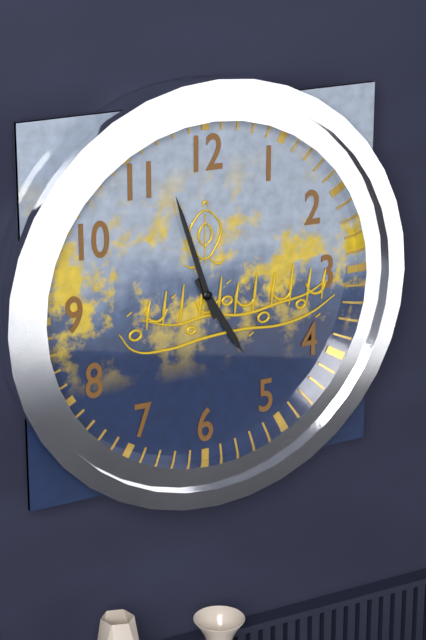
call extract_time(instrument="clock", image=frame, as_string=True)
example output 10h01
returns 4h57
